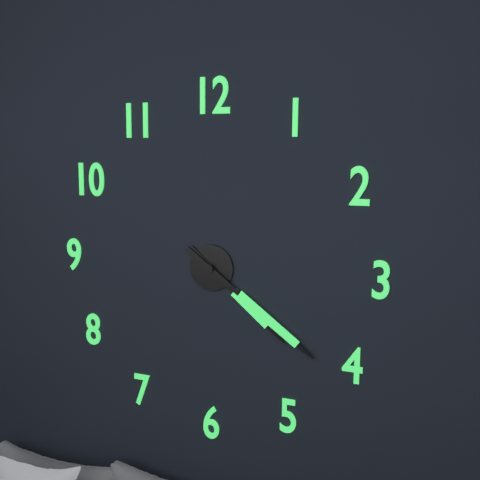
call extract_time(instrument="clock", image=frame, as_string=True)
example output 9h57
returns 4h21
